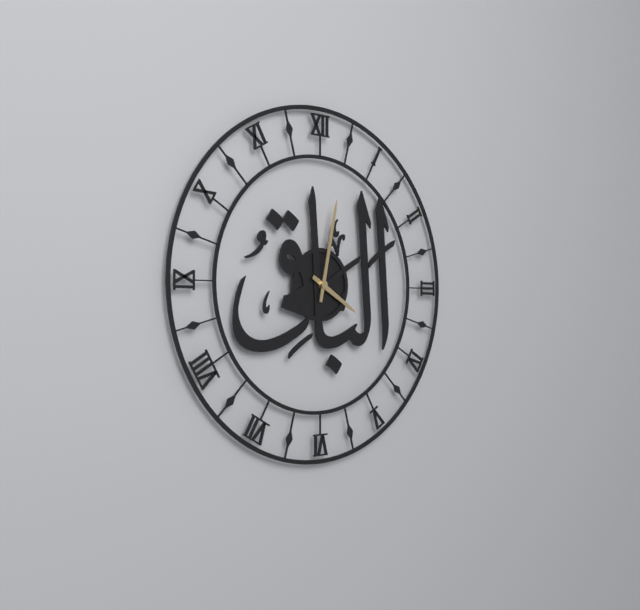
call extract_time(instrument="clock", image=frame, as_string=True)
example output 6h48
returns 4h02
